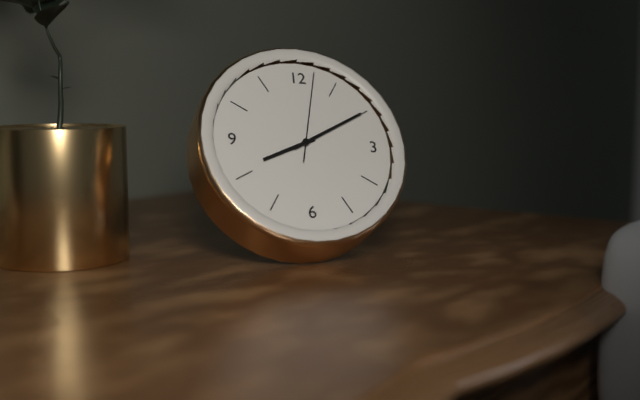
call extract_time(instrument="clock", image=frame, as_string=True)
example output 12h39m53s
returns 8h10m02s
